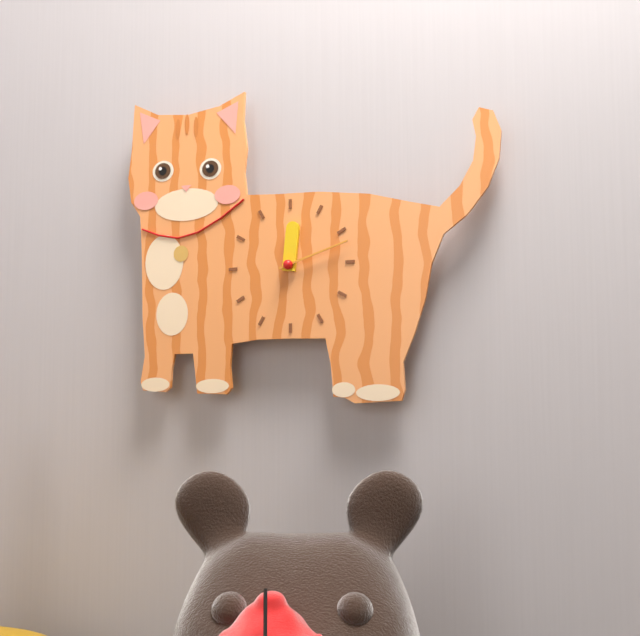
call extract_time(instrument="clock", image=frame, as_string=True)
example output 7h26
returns 12h12
